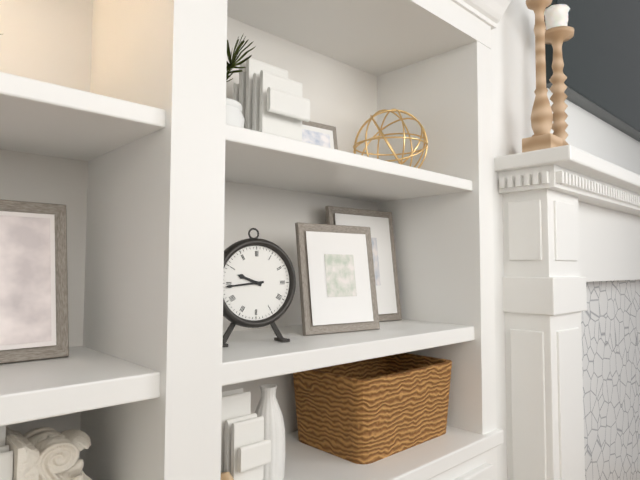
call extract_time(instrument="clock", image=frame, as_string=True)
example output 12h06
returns 9h44
